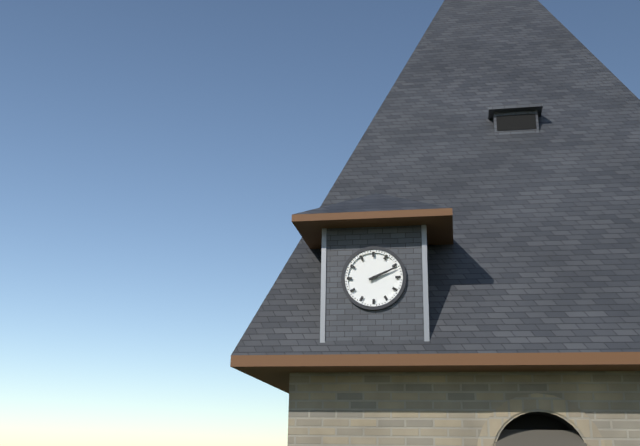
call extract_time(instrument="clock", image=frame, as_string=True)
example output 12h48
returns 2h11
